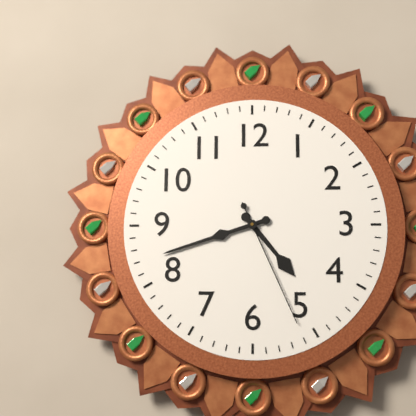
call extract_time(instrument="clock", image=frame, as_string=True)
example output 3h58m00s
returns 4h42m26s
